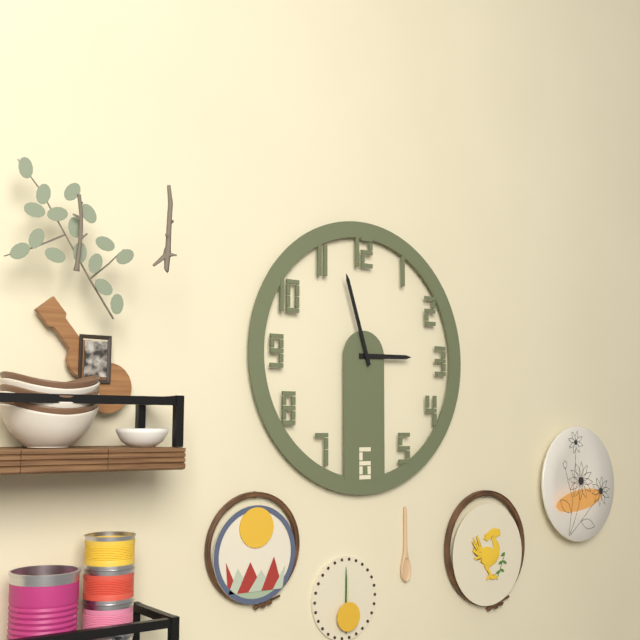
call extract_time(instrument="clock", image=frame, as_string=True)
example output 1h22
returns 2h57
